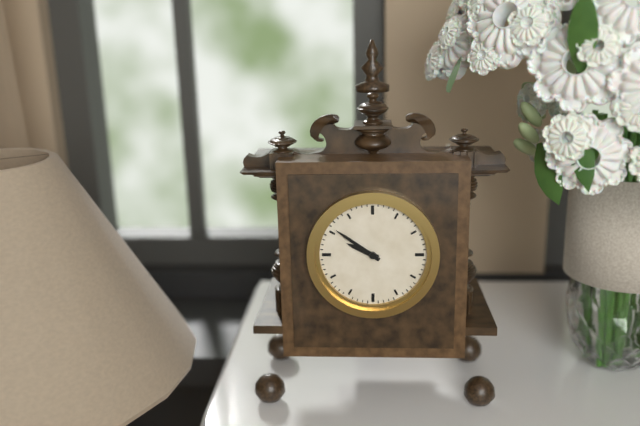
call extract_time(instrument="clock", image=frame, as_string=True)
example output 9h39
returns 9h51
